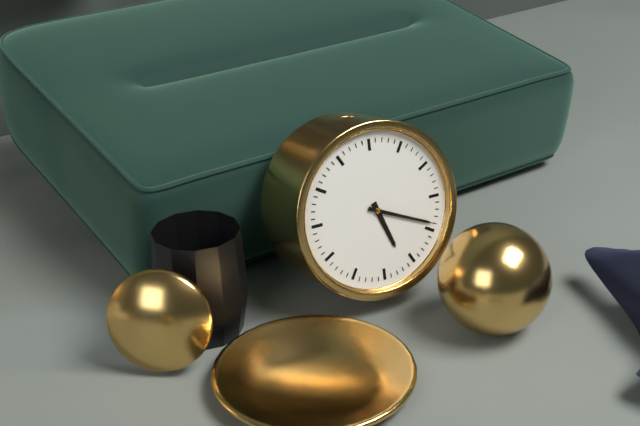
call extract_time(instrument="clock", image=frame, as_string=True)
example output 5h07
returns 5h19
